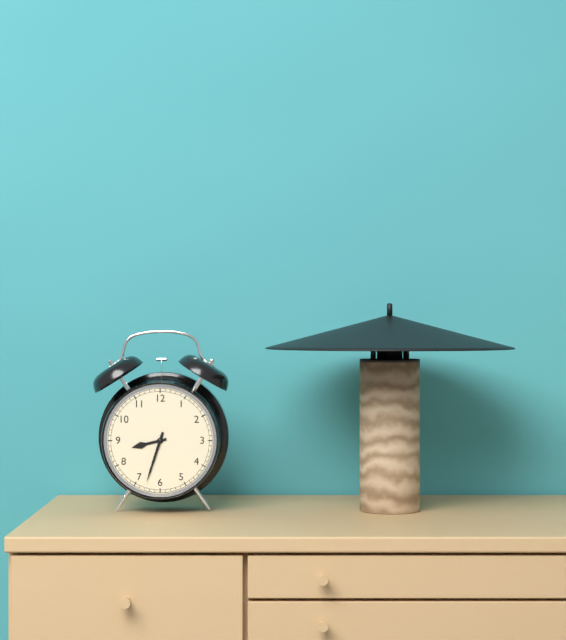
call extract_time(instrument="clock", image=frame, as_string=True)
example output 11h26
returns 8h33
